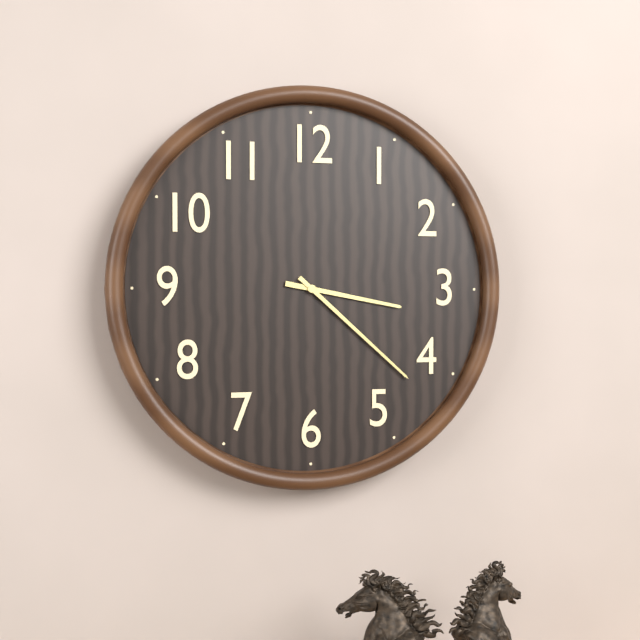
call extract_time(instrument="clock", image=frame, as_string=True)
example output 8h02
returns 3h22
